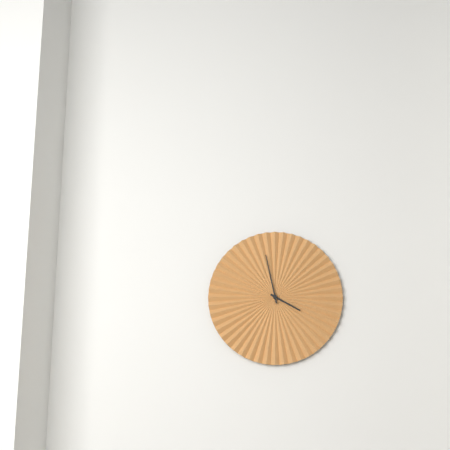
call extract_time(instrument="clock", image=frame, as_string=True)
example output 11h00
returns 3h58
